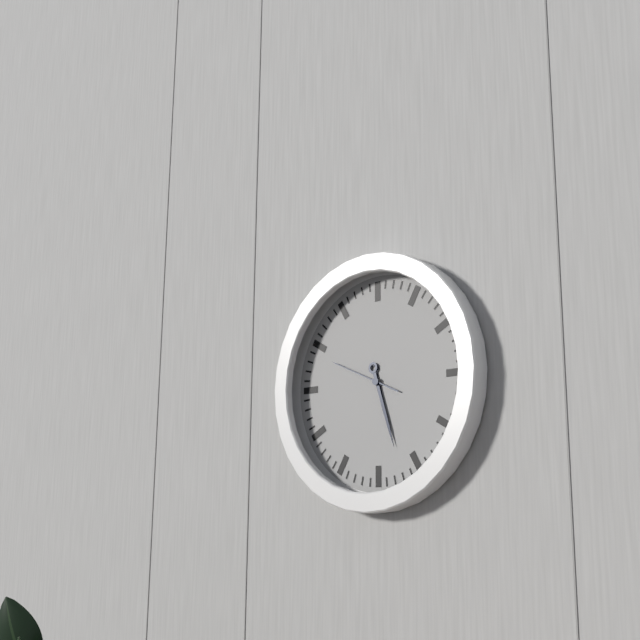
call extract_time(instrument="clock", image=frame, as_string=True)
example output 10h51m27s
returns 5h27m49s
